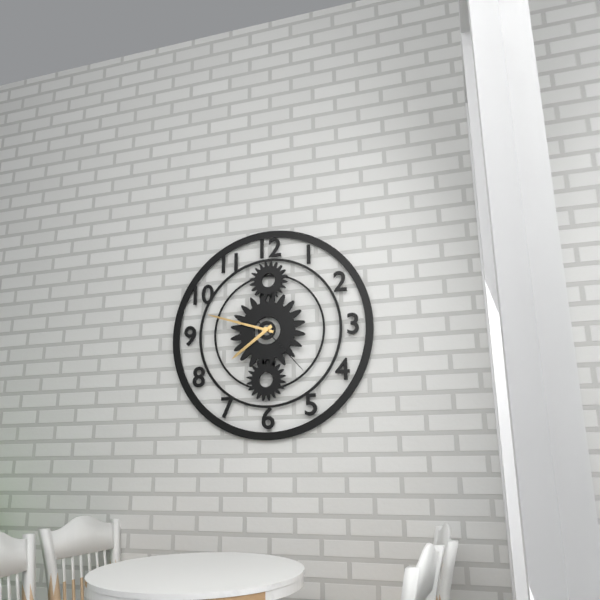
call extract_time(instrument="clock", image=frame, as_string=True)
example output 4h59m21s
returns 7h48m23s
